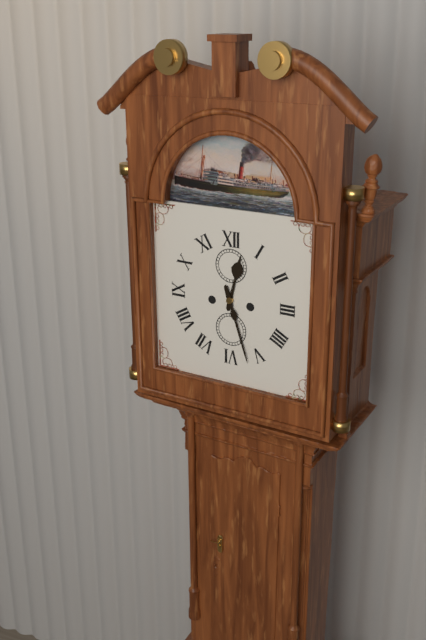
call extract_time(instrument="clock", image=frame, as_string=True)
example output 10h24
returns 12h27
